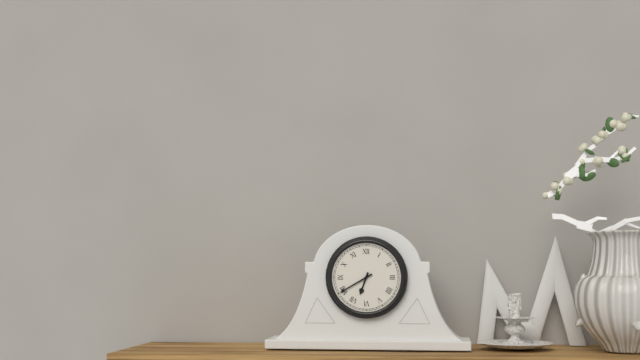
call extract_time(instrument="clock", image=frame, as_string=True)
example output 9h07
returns 6h40
